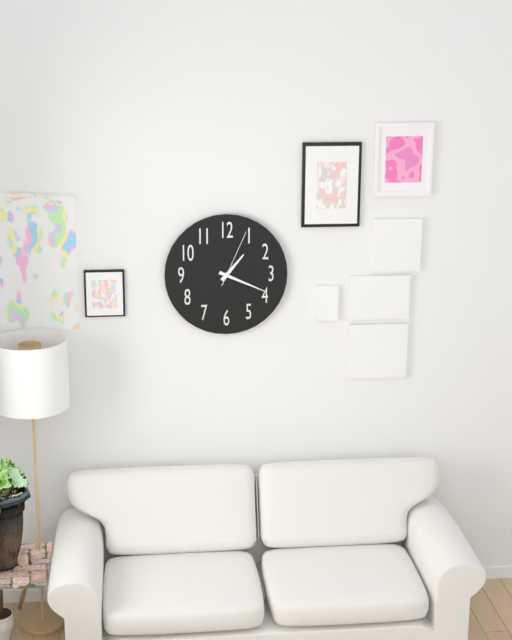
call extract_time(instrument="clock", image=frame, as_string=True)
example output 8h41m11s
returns 1h19m04s
